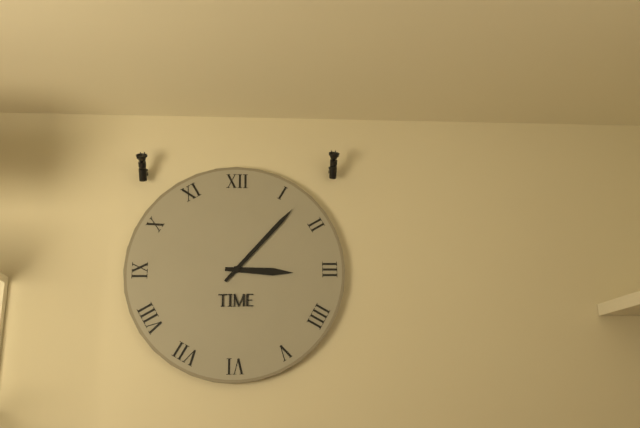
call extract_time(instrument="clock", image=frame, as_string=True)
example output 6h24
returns 3h07
